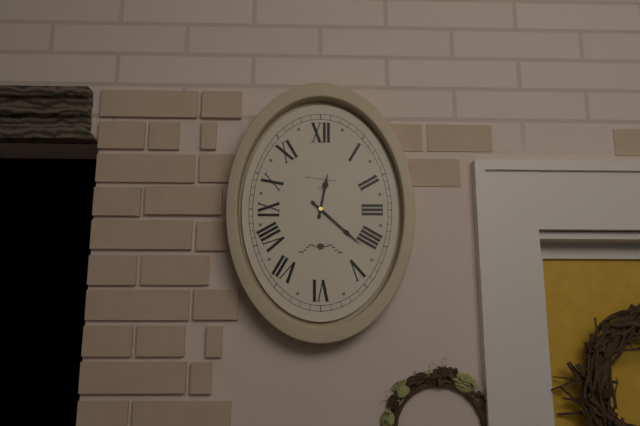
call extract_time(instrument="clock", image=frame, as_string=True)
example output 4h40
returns 12h22
